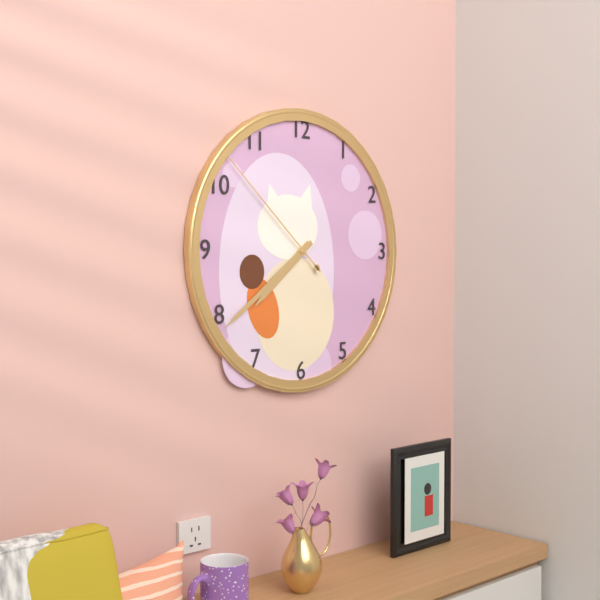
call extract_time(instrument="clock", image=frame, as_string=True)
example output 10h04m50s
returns 7h39m52s
